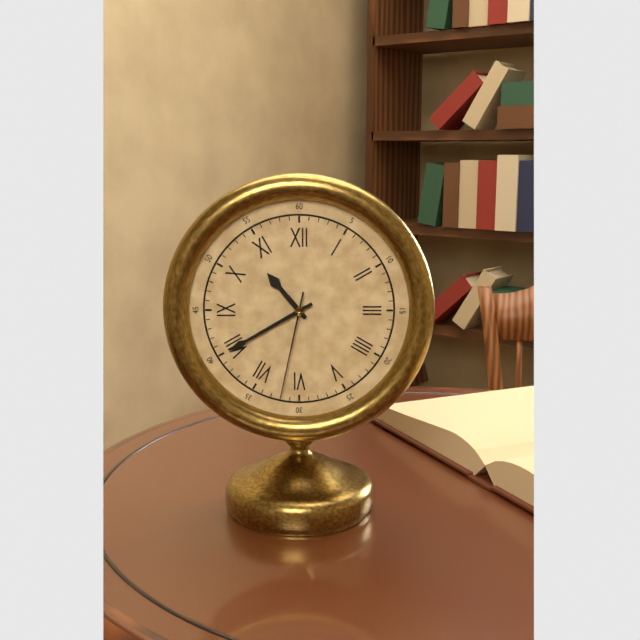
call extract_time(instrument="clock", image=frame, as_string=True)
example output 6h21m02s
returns 10h40m32s
